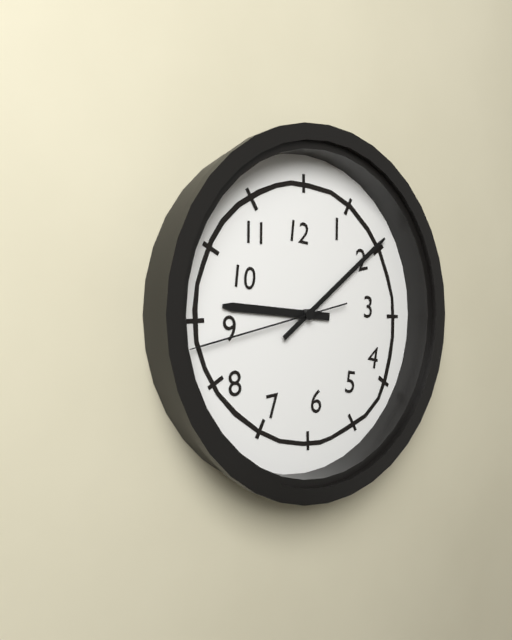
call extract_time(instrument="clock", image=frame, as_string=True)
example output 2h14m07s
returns 9h09m43s
